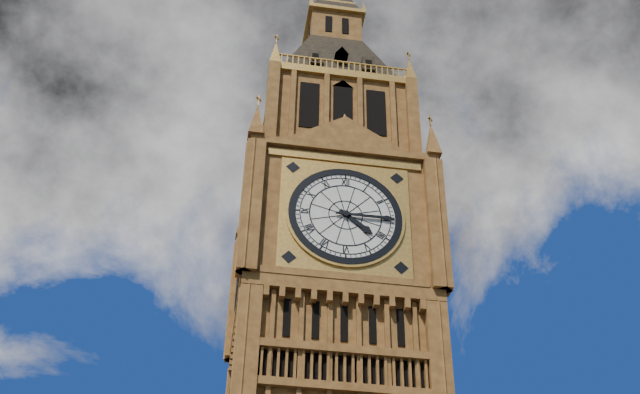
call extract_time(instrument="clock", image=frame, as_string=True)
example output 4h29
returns 4h15
